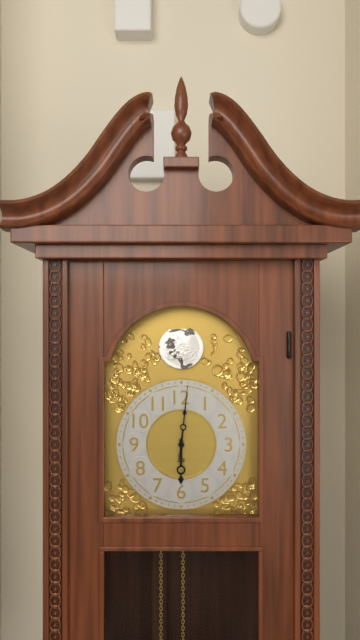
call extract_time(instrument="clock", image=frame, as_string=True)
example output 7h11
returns 6h01
